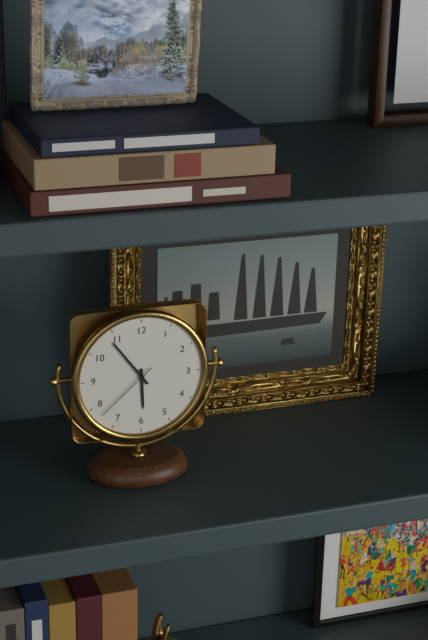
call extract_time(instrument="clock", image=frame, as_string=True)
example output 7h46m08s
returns 5h54m38s
